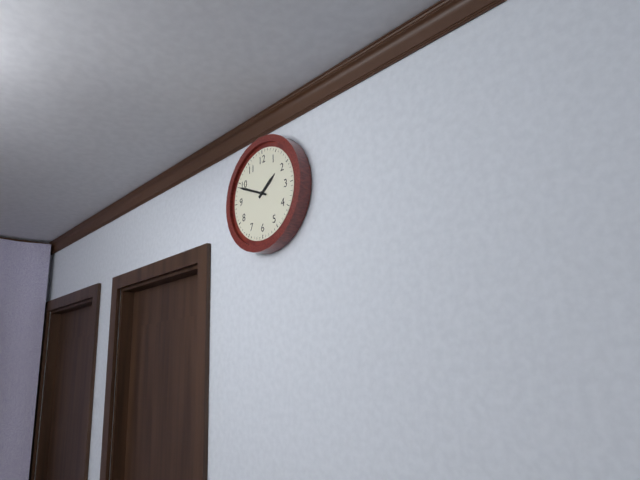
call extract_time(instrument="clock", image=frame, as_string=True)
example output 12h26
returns 1h49
